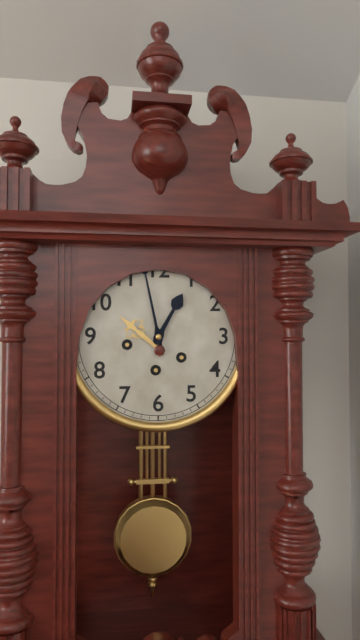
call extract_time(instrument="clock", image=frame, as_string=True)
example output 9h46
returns 12h58
